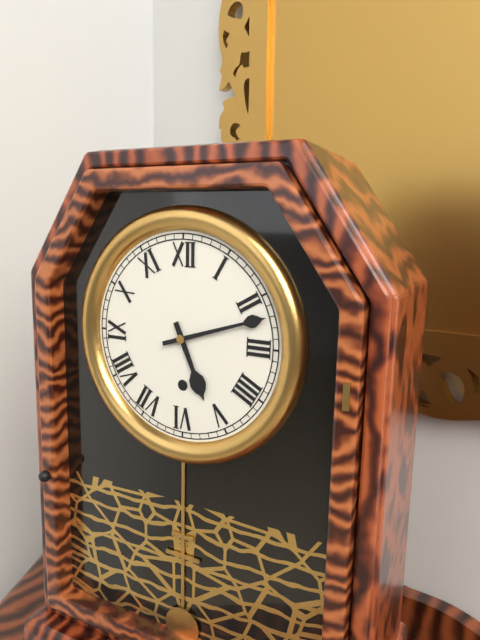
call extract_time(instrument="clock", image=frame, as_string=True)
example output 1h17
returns 5h12
